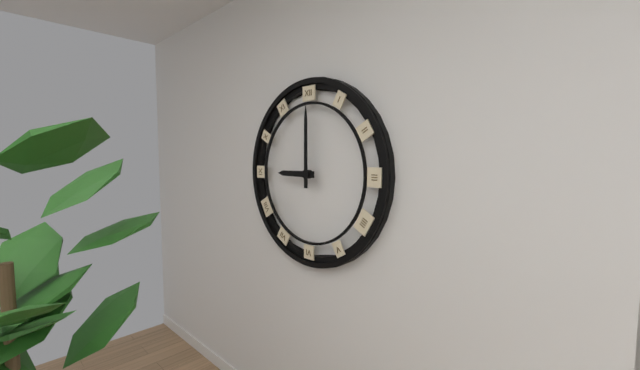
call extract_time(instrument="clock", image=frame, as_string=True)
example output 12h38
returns 9h00
